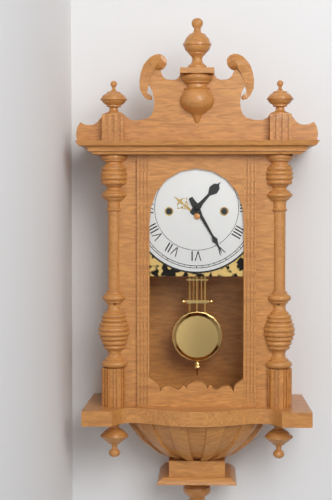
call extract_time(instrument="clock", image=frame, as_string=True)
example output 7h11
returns 1h25
